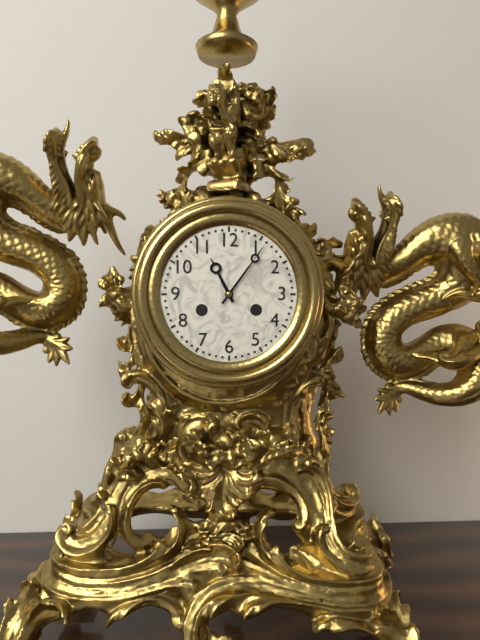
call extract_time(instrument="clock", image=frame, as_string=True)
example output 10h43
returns 11h06
